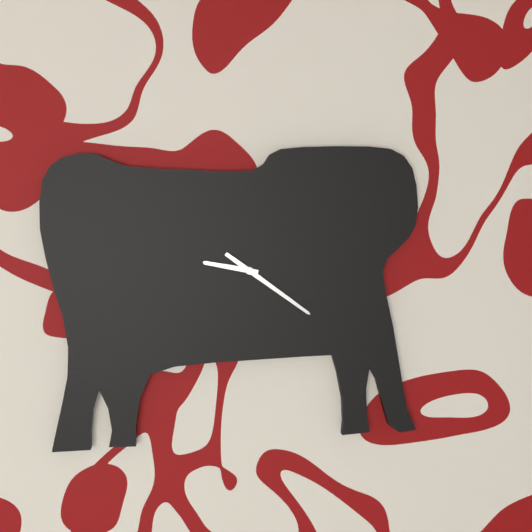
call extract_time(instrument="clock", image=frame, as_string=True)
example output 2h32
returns 9h21
